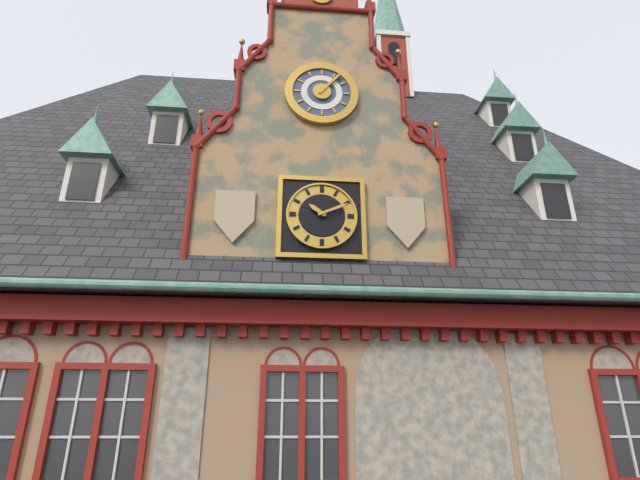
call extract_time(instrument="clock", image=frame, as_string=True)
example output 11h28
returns 10h11
